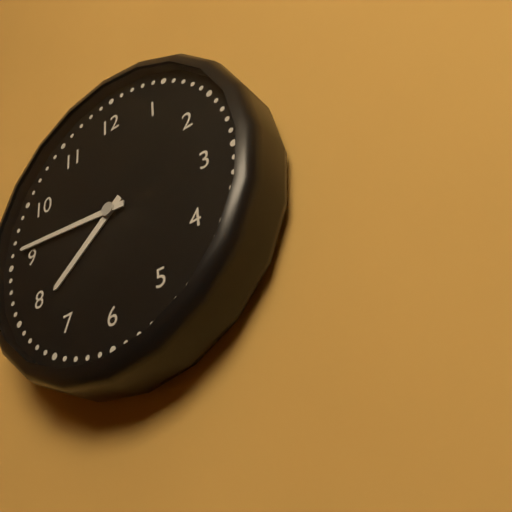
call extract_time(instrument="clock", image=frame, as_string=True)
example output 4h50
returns 7h46
